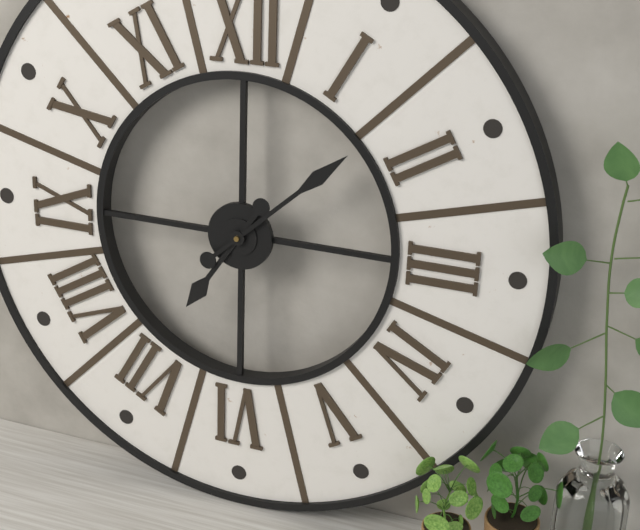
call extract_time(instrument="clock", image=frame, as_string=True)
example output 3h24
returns 7h08
